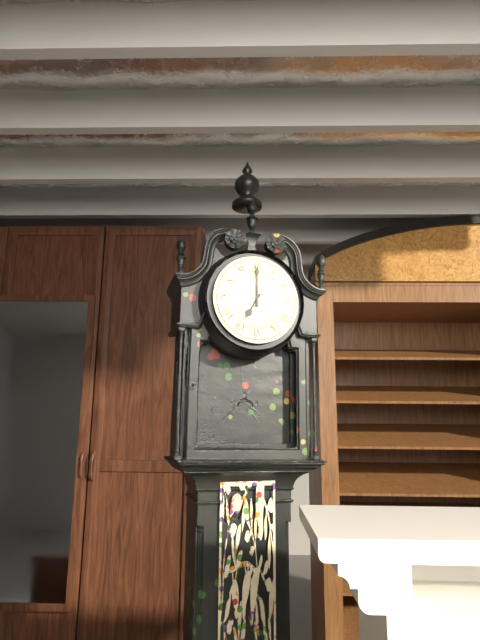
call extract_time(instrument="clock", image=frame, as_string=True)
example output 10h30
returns 7h00
